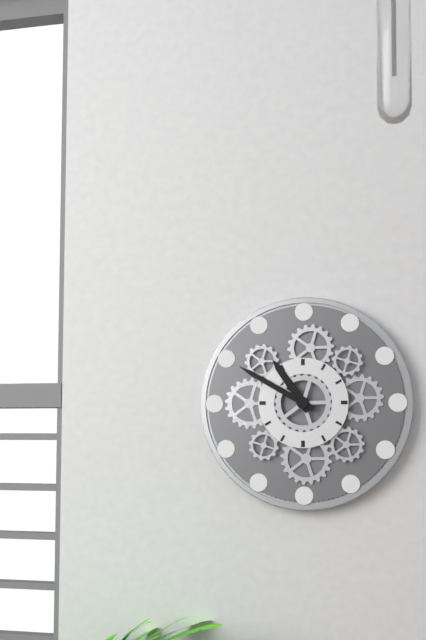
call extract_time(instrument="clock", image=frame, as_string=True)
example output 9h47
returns 10h50
